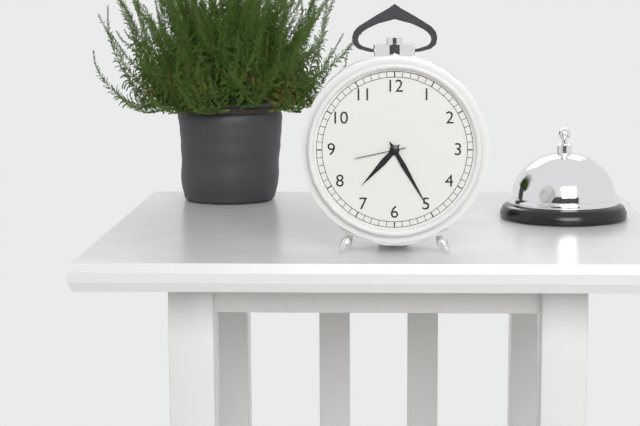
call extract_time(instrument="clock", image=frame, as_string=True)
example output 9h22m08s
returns 7h25m43s
